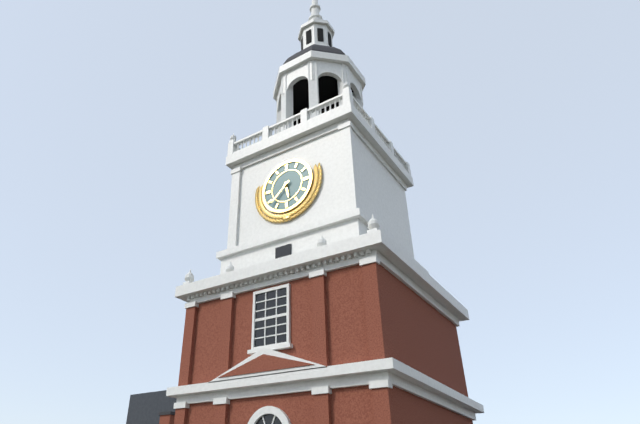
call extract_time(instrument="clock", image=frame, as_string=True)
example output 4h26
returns 5h38
